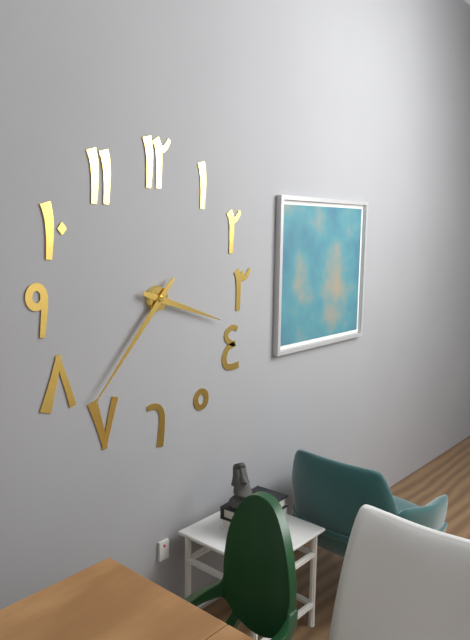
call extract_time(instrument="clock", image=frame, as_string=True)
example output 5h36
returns 3h37
